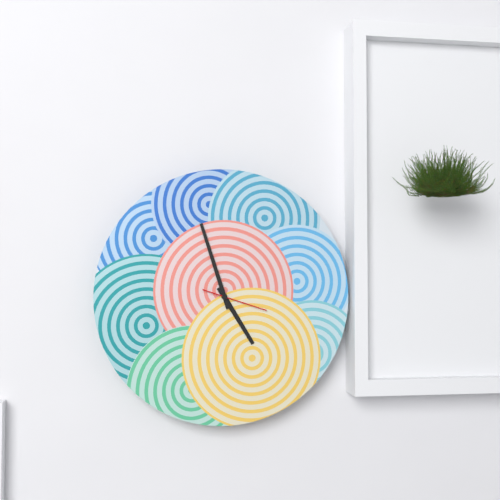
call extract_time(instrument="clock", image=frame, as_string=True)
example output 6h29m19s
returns 4h57m18s
